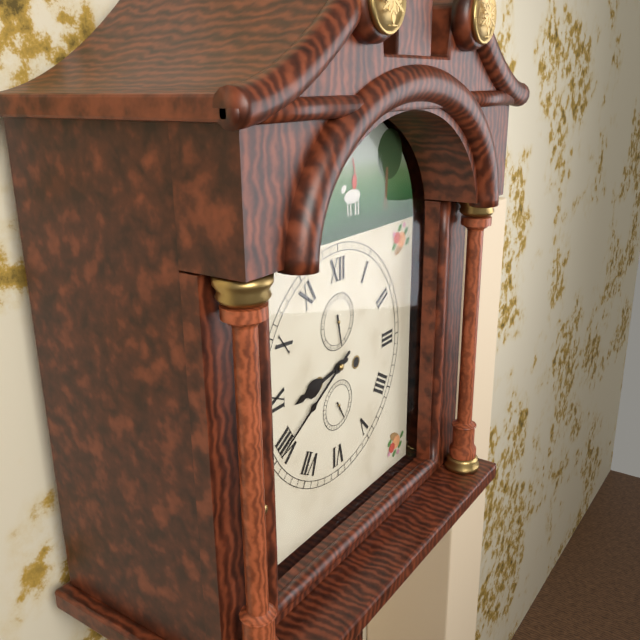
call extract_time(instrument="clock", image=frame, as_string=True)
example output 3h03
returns 8h40
